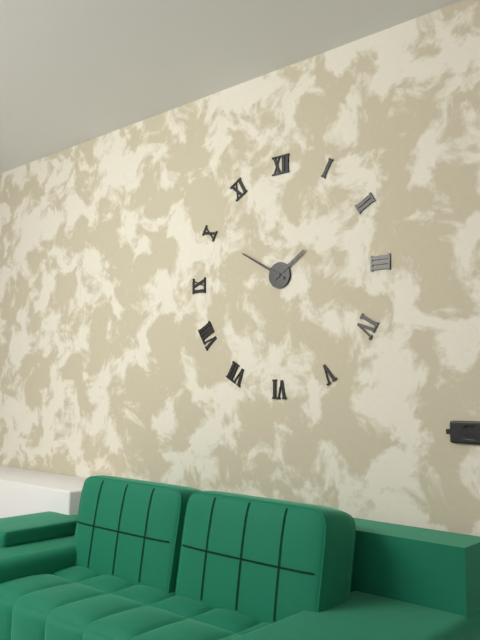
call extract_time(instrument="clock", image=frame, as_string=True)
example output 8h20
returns 1h50
